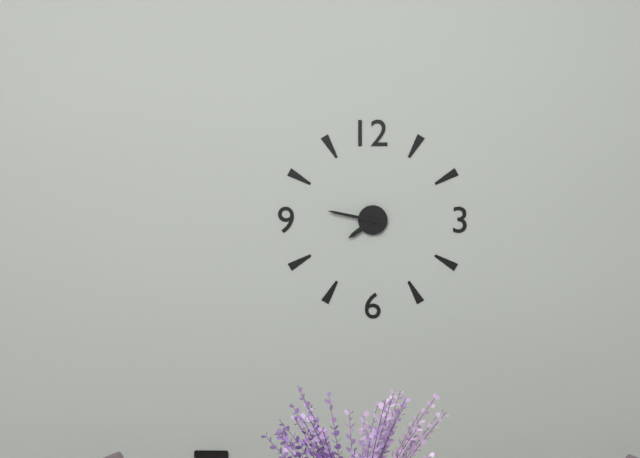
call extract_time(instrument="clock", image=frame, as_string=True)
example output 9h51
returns 7h47
